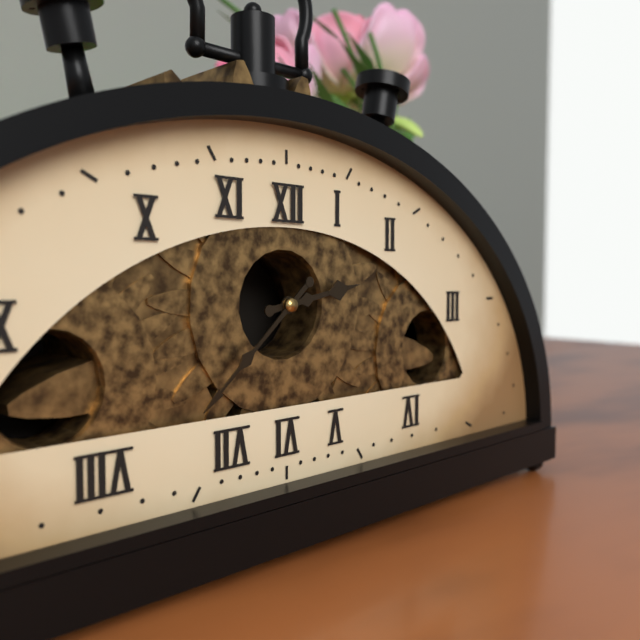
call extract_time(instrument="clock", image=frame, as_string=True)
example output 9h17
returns 2h38
